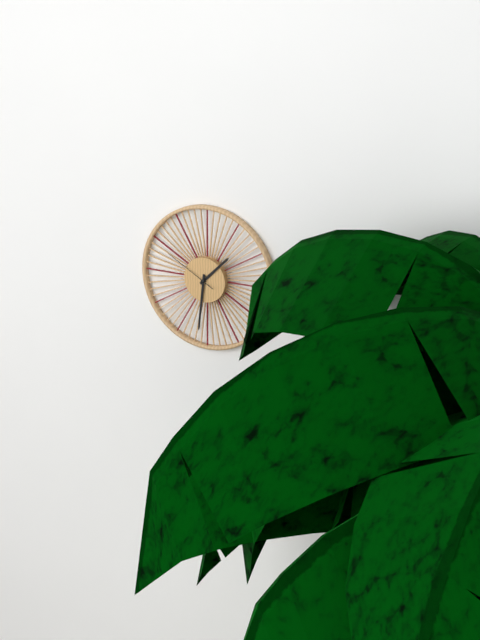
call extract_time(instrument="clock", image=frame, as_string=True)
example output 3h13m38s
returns 1h31m50s
